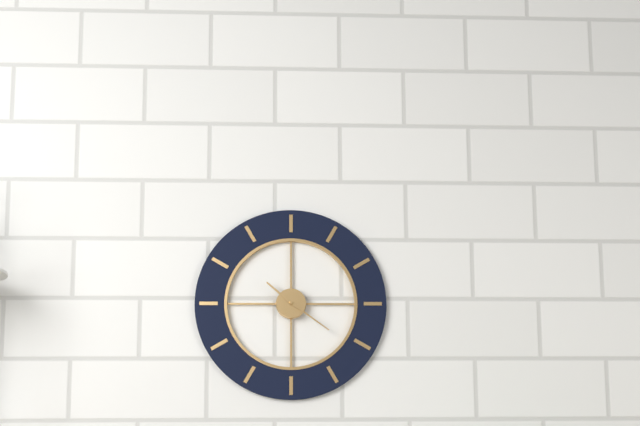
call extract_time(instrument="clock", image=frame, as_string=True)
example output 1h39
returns 10h21
